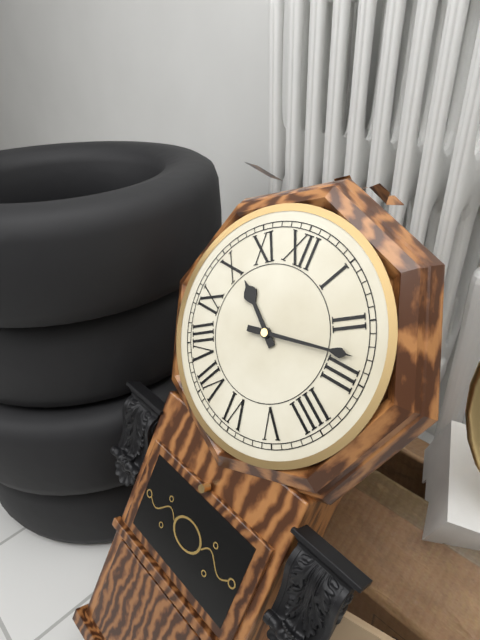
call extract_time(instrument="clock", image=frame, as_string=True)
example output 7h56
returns 10h13
